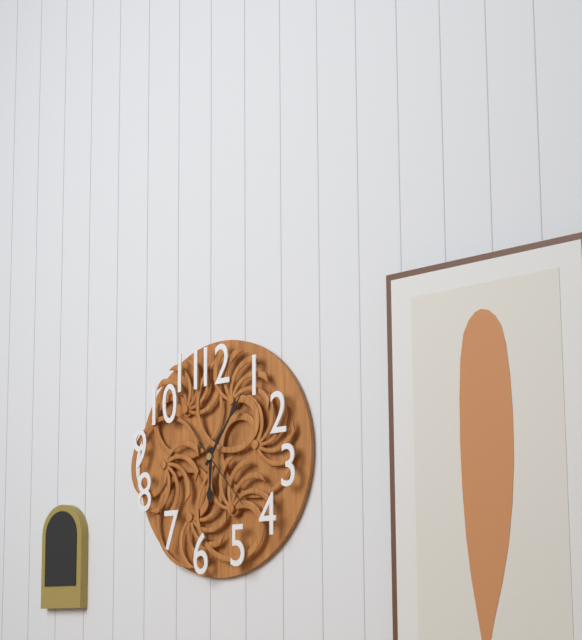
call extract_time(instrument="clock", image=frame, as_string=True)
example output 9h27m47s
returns 6h06m23s
